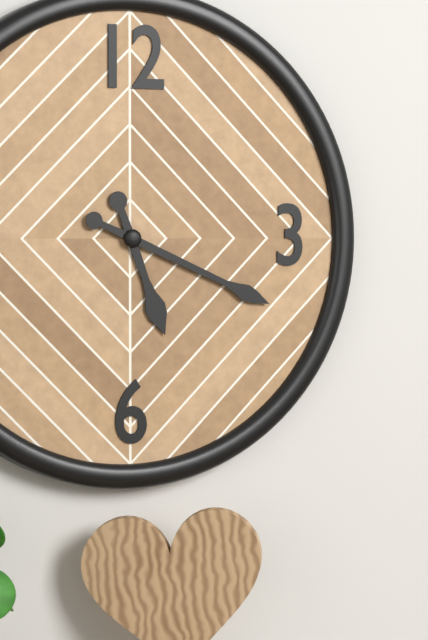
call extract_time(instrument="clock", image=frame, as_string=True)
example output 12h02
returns 5h19
